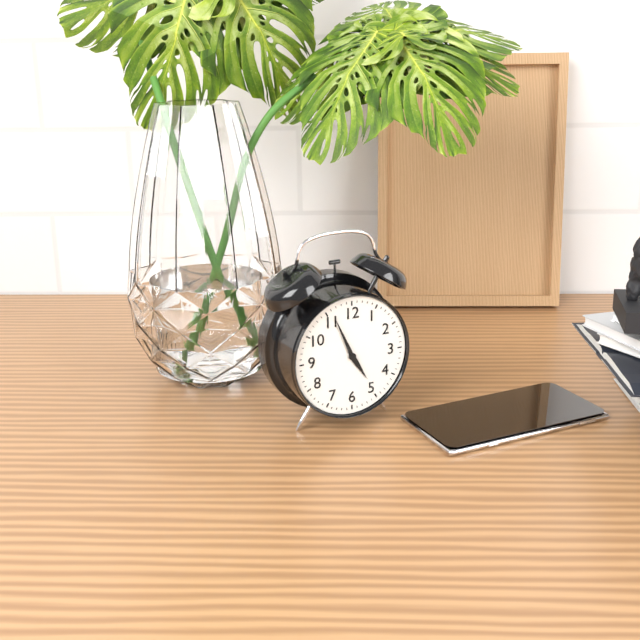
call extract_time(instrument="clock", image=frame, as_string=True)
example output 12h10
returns 4h56
